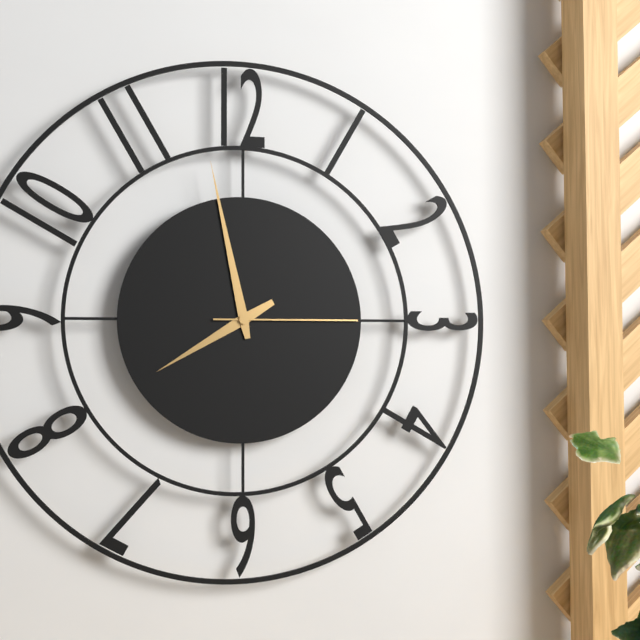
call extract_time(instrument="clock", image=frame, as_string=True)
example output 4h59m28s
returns 7h58m15s
